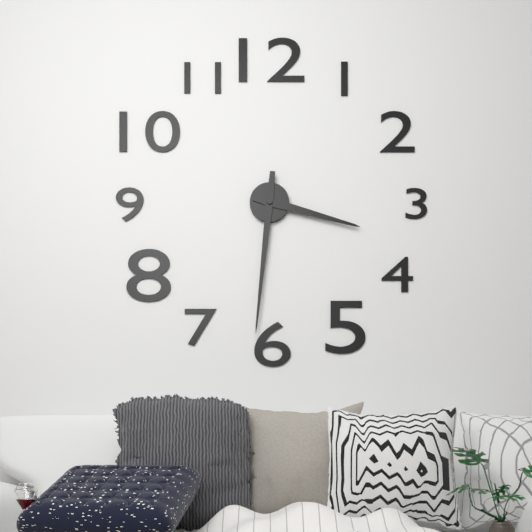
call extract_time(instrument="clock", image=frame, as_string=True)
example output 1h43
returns 3h31
